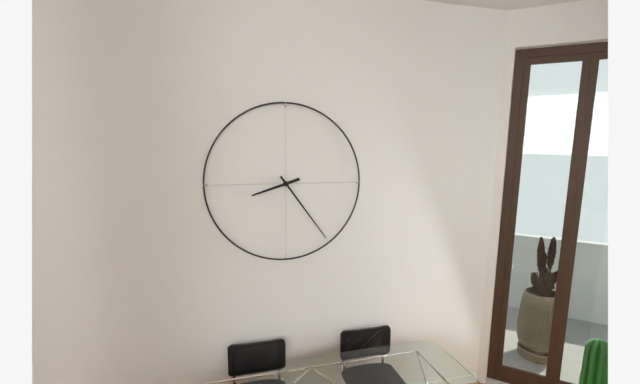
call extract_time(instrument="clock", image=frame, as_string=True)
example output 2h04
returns 8h24
